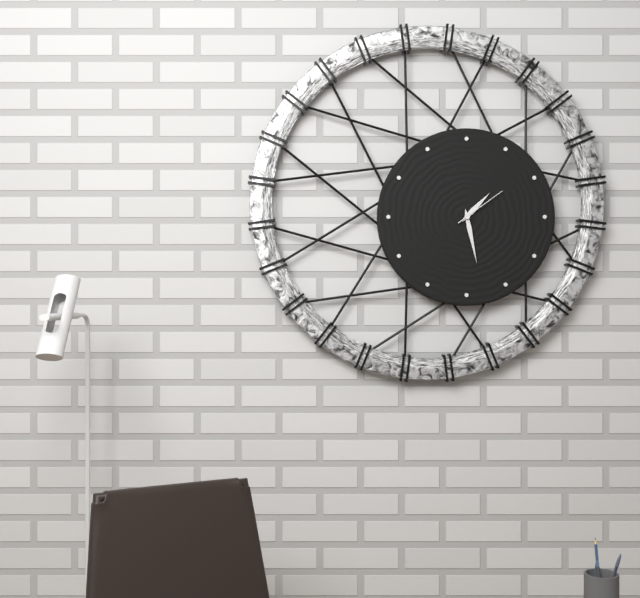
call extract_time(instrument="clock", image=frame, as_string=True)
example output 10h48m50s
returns 1h28m09s
